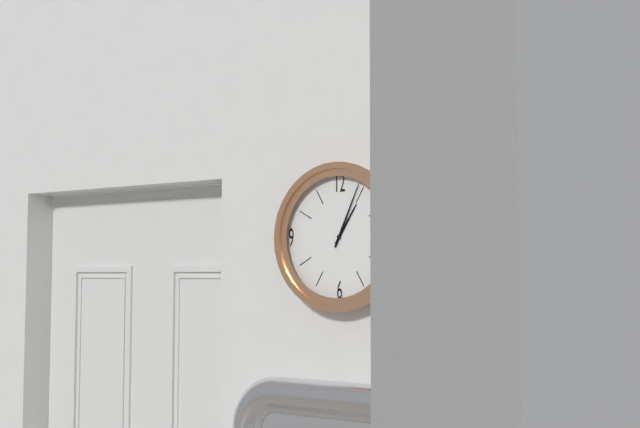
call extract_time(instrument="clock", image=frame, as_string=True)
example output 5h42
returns 1h04
